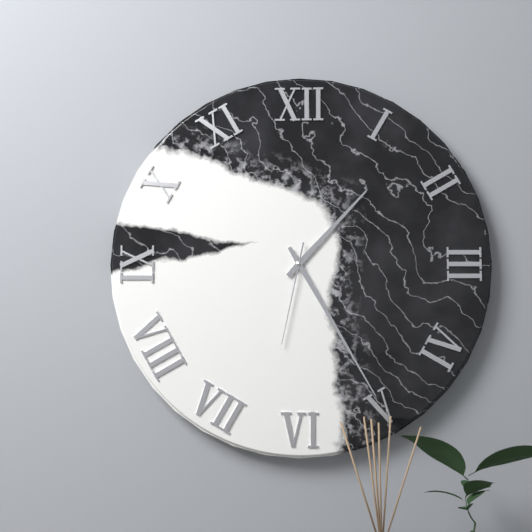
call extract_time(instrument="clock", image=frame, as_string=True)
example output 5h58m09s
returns 1h25m32s
